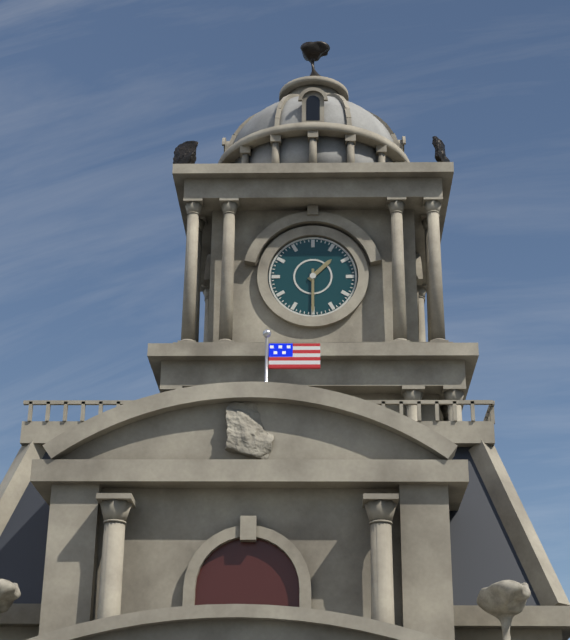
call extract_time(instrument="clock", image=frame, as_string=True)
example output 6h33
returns 1h30
